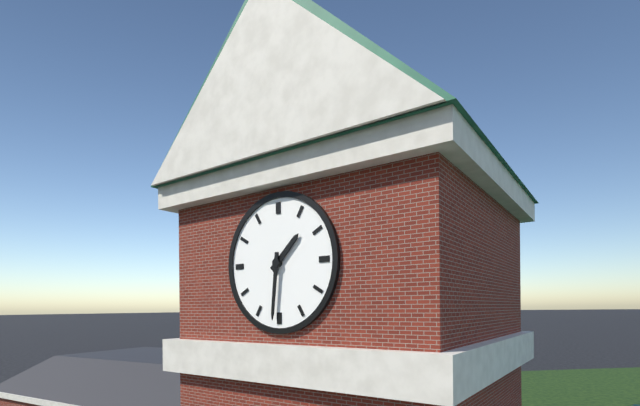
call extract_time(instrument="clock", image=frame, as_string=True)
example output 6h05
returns 1h31
